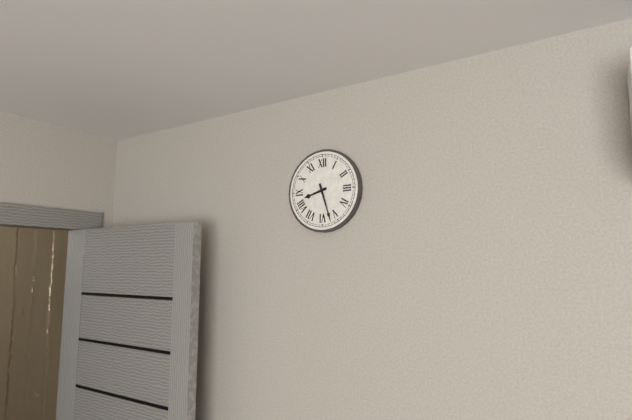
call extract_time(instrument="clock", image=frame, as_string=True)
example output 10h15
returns 8h27
